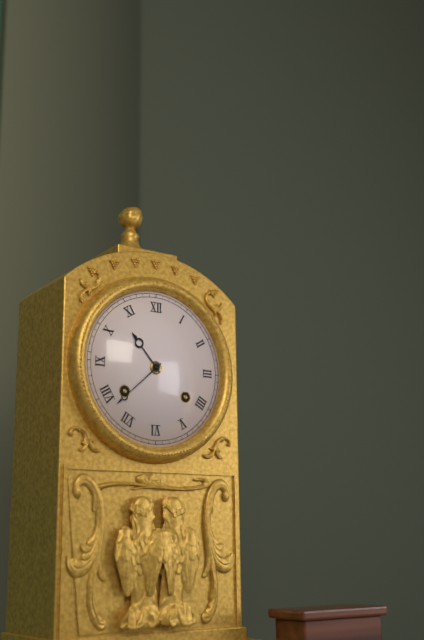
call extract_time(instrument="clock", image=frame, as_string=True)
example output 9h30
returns 10h38
